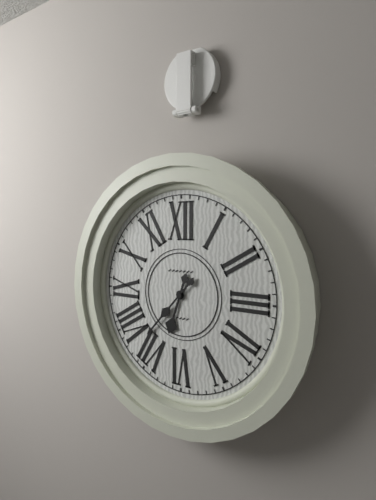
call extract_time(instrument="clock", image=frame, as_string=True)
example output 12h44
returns 6h37
